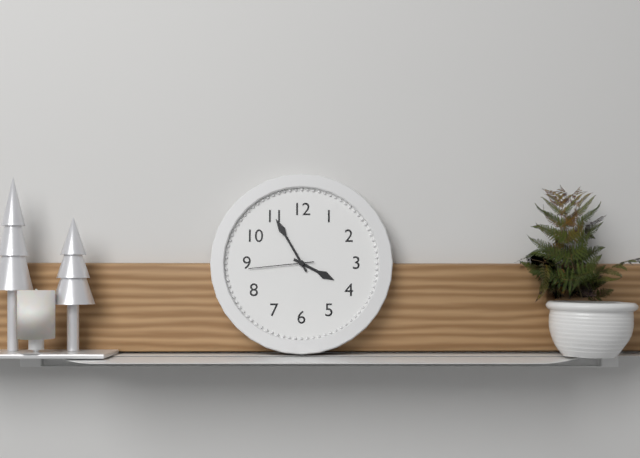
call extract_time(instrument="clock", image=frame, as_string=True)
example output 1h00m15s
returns 3h55m44s
